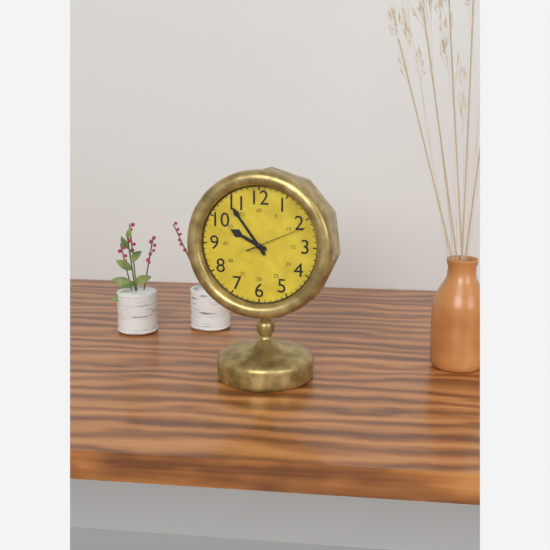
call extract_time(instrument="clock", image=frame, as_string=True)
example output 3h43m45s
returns 9h54m11s
